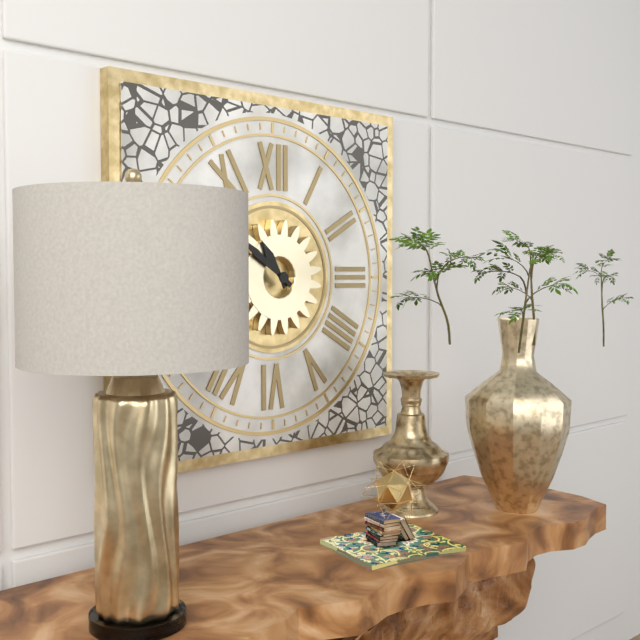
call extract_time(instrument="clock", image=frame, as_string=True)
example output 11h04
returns 10h51
